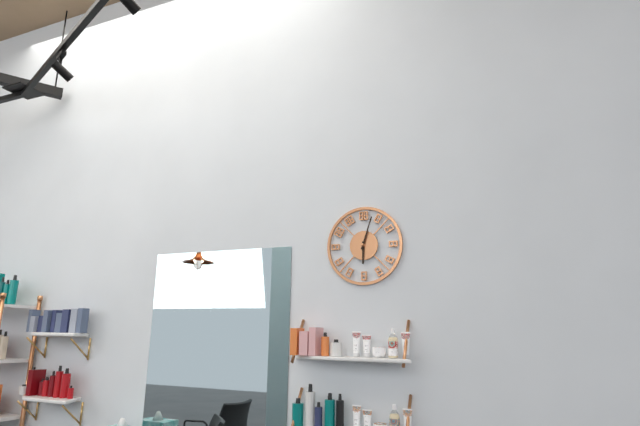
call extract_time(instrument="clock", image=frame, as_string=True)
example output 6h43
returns 6h03
